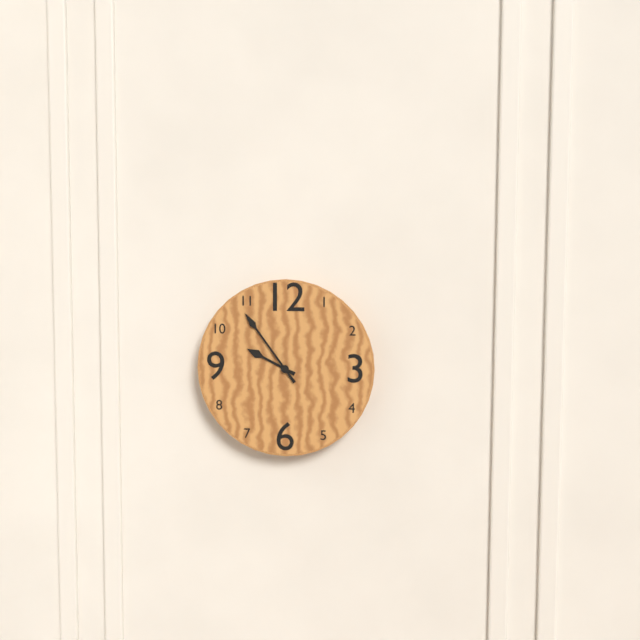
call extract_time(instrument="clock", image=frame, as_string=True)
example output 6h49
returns 9h54
